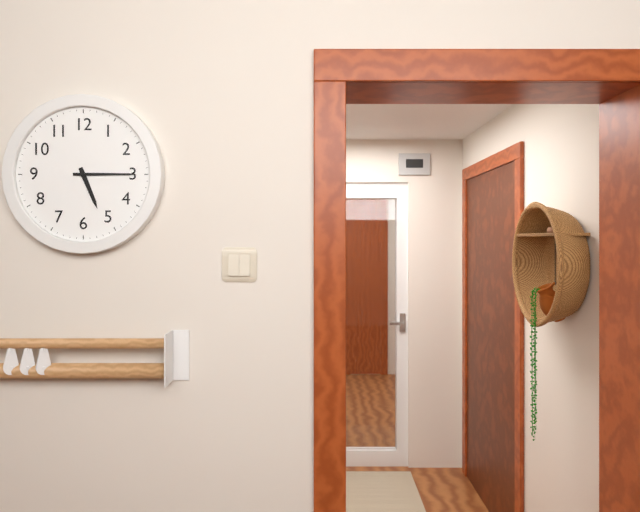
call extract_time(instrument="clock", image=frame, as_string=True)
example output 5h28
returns 5h15
